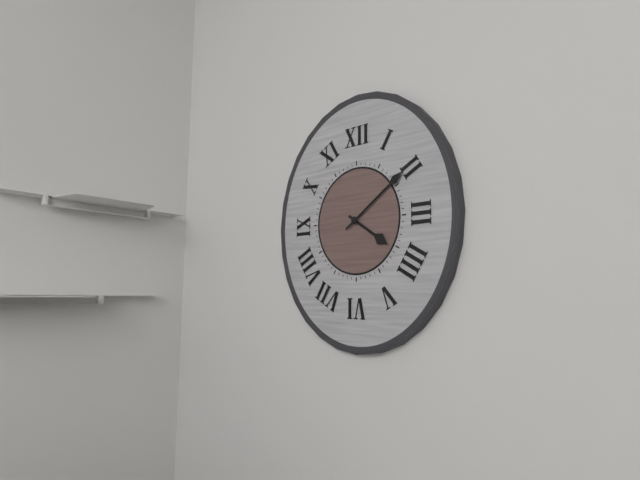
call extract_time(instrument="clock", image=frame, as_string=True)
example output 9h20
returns 4h09
